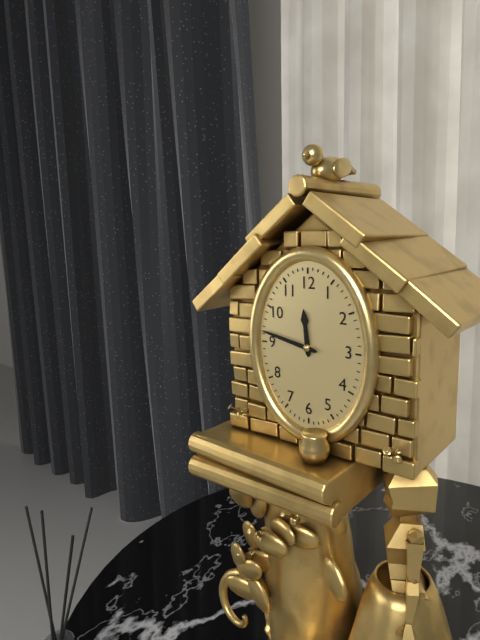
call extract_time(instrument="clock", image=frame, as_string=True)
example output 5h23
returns 11h47
